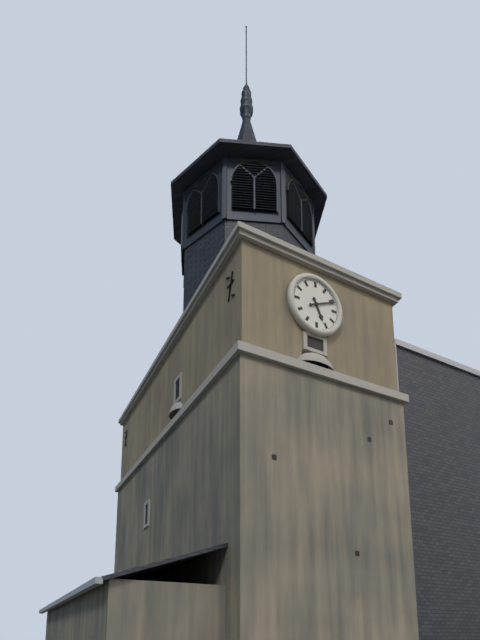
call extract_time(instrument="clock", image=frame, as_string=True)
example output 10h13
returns 5h11
